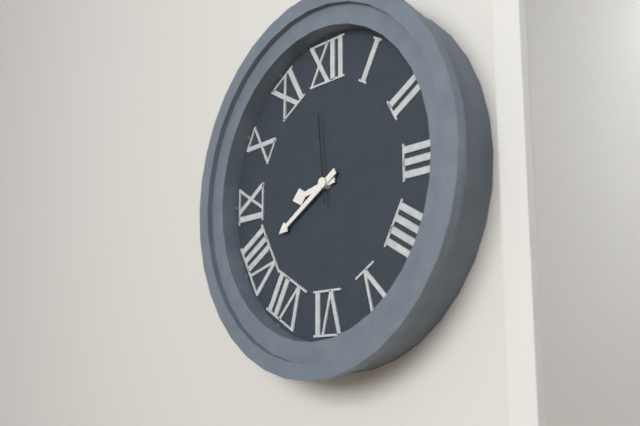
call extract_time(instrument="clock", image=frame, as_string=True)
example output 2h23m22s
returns 8h40m59s
